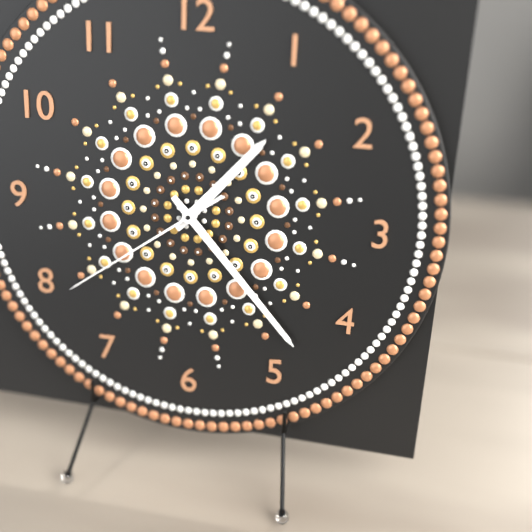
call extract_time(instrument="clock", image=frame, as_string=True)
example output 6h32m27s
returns 1h23m39s
